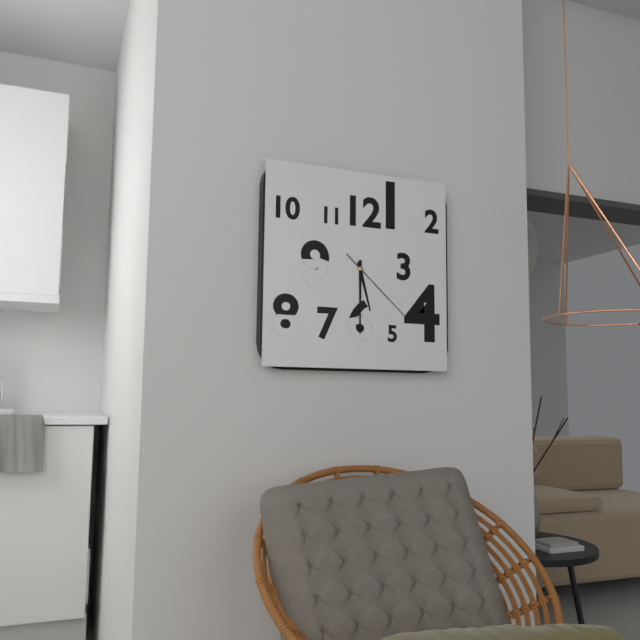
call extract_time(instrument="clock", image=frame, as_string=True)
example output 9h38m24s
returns 5h30m22s
